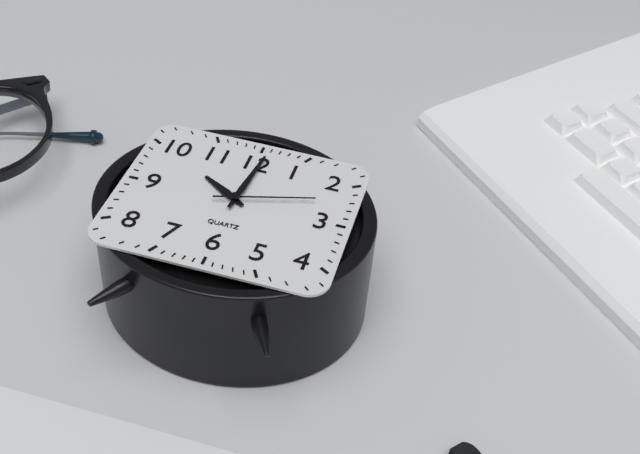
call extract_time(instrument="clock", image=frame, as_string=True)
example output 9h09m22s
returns 10h01m12s
